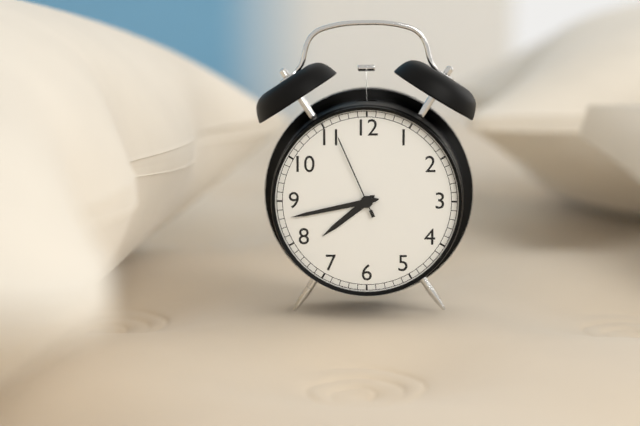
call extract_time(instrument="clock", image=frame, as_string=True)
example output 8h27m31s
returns 7h43m56s
